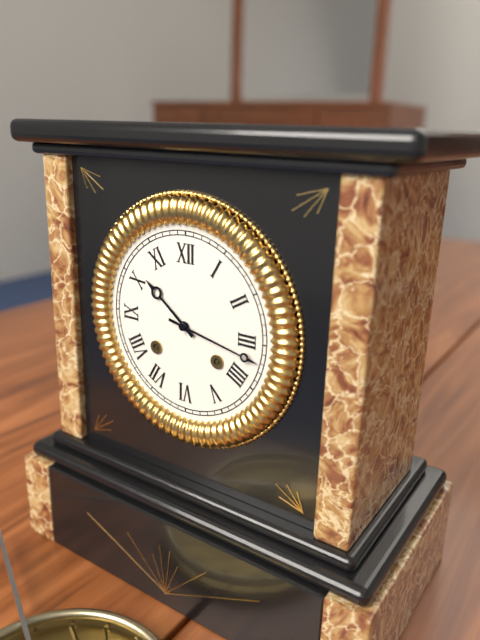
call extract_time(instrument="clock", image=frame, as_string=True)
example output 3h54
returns 10h17
